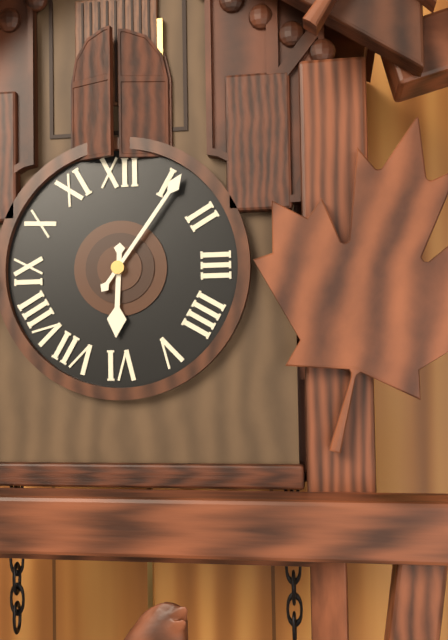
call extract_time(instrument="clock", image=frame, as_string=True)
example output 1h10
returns 6h06
